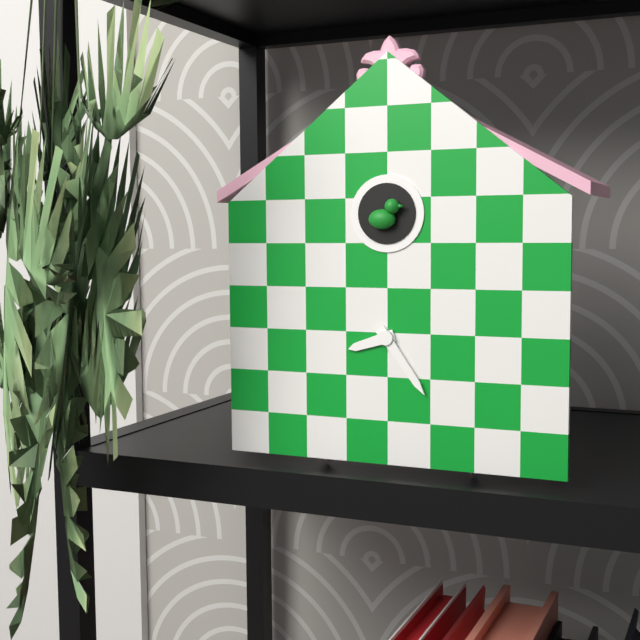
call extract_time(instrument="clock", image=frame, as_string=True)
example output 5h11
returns 8h24
